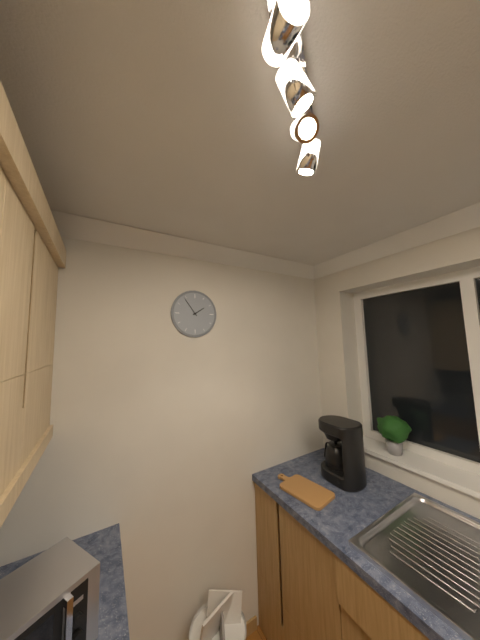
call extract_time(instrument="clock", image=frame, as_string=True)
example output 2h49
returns 1h54
